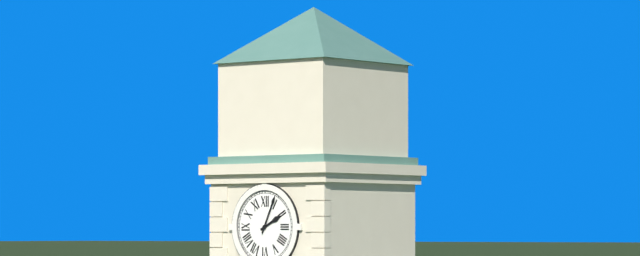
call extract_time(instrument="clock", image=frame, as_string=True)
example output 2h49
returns 2h04
